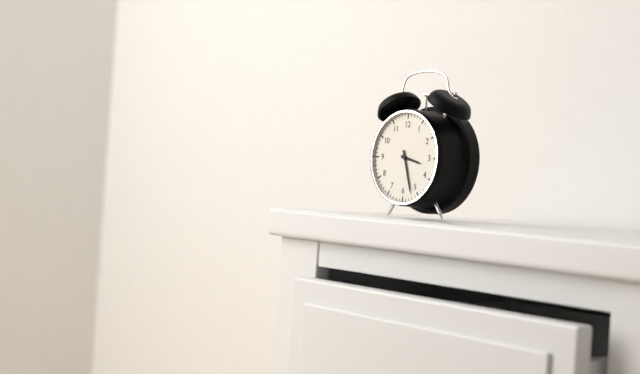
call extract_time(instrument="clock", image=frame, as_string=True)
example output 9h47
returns 3h27
